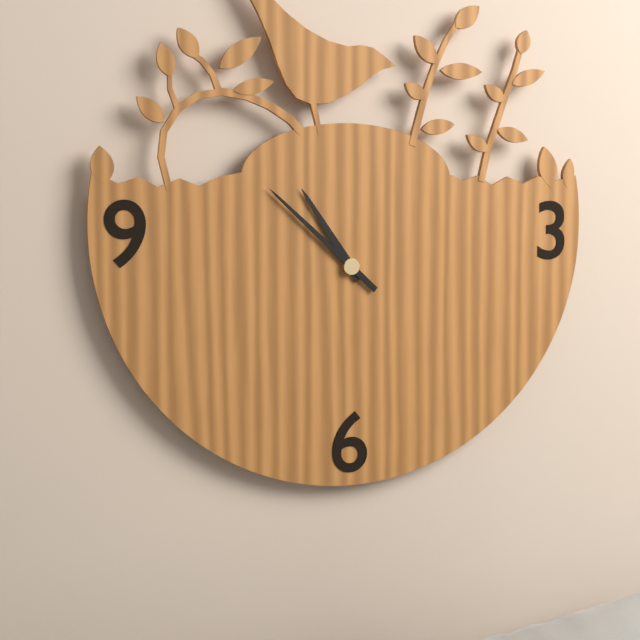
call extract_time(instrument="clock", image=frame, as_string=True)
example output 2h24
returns 10h52
